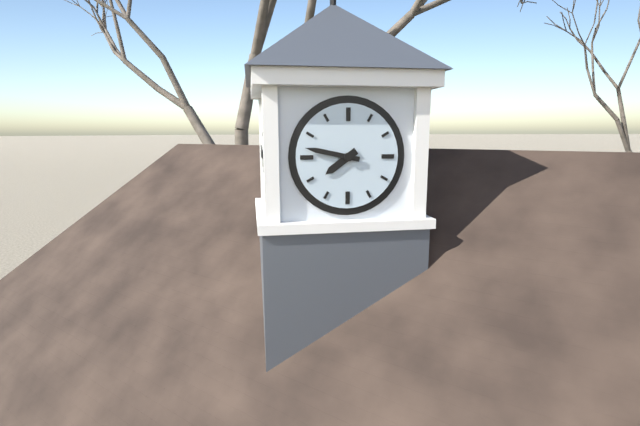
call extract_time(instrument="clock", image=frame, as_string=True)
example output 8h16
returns 7h47
